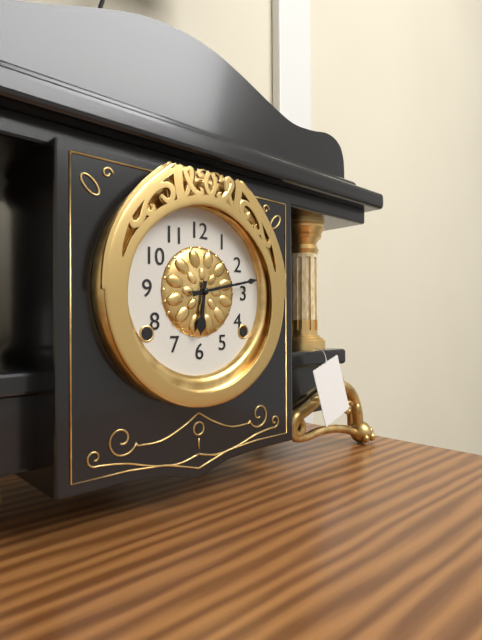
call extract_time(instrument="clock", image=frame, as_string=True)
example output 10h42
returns 6h13
